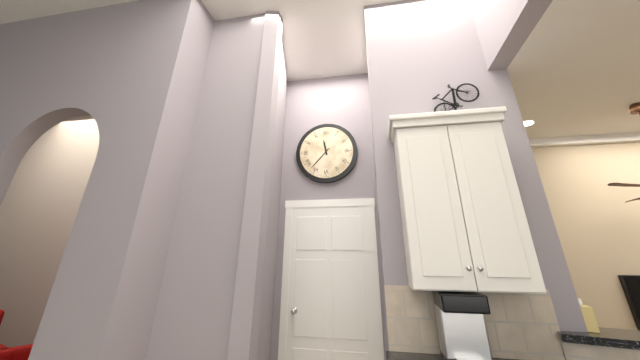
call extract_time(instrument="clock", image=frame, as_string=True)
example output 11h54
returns 11h37
